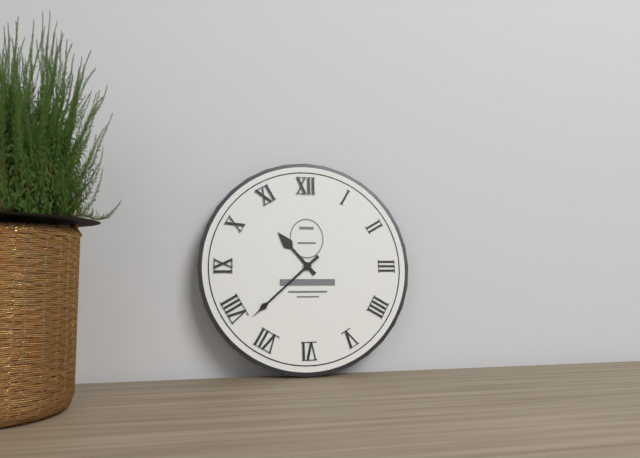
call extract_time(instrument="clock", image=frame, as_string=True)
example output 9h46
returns 10h38
